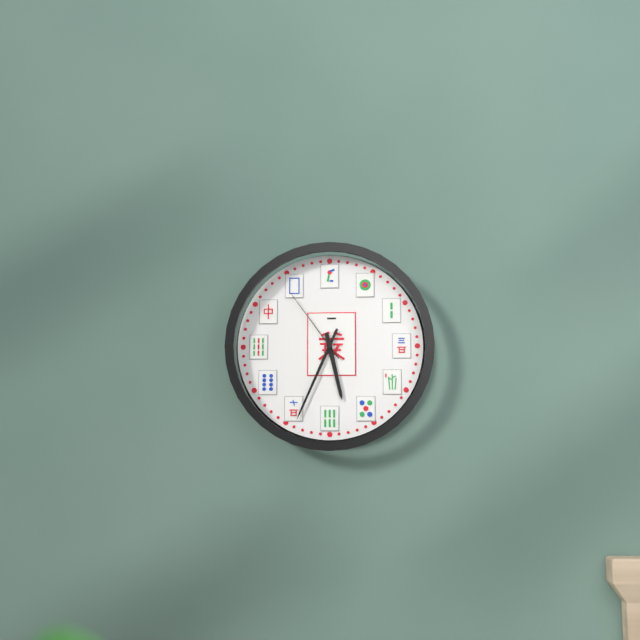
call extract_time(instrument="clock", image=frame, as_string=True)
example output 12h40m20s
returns 5h34m54s
